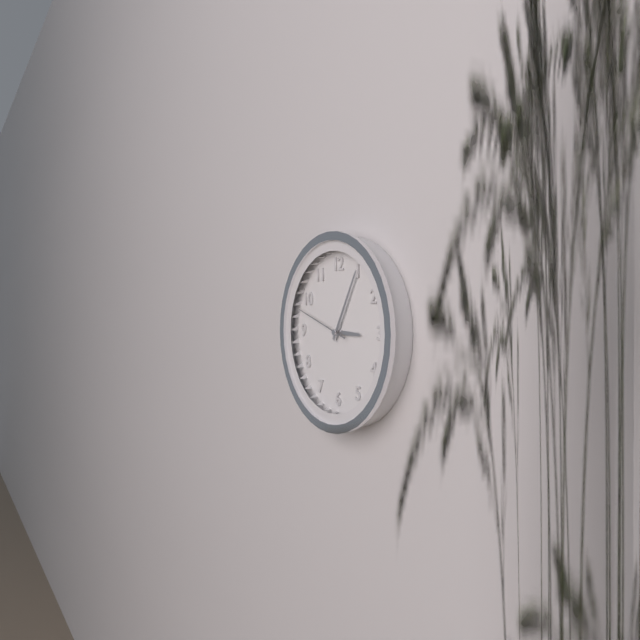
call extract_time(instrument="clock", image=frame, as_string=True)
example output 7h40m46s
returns 3h05m48s
